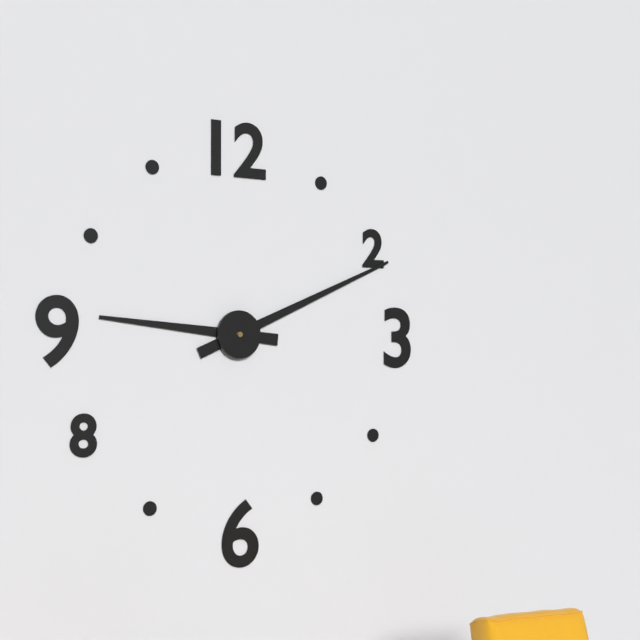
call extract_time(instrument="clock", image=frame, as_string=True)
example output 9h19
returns 9h11
